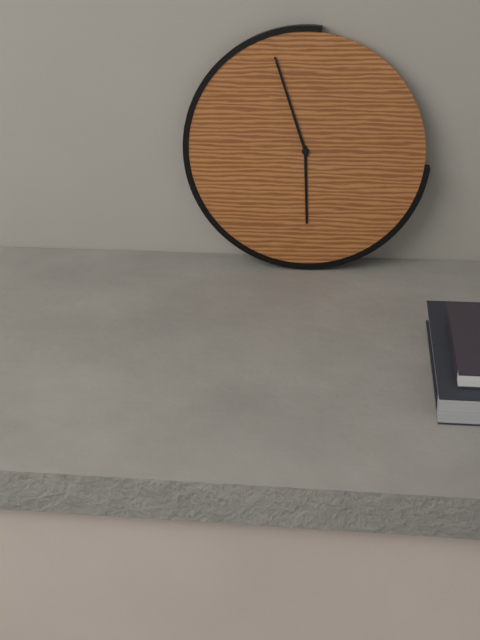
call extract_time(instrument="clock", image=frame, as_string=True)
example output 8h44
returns 5h57
